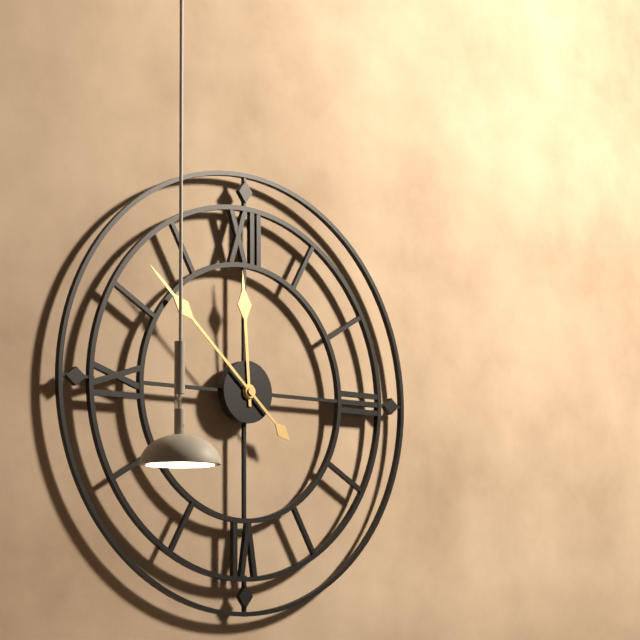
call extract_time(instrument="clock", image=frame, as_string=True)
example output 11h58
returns 11h52
